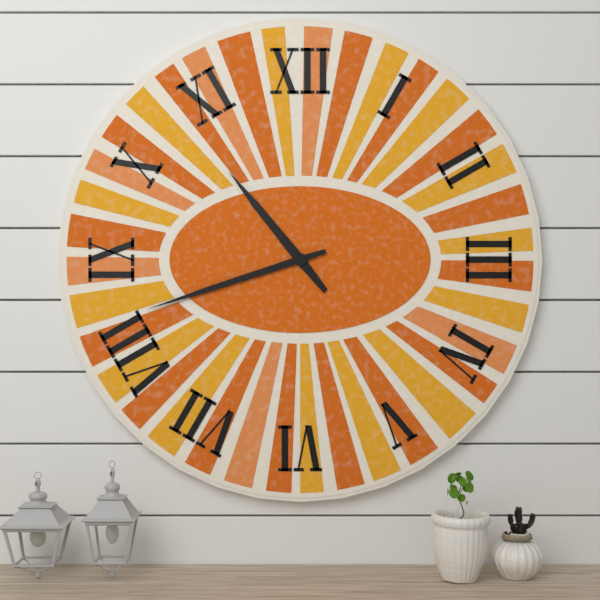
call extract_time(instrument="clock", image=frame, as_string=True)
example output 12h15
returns 10h42
